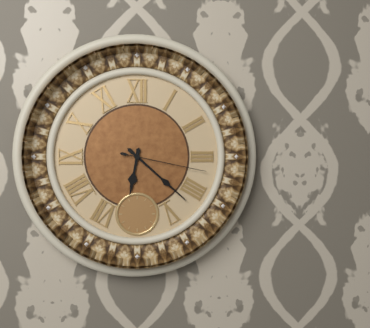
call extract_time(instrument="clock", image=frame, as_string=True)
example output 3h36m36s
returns 6h22m17s
